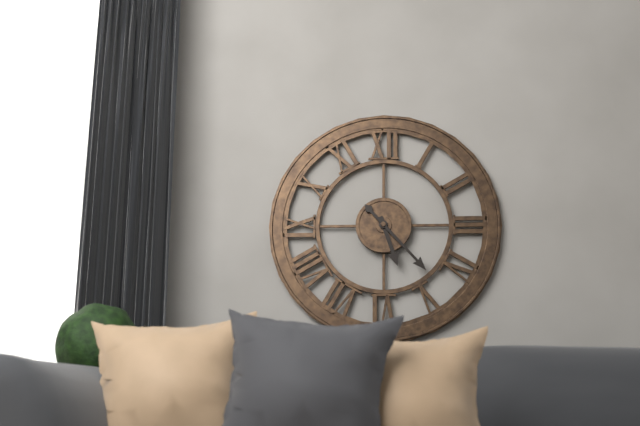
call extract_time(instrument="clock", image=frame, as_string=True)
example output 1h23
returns 5h23
